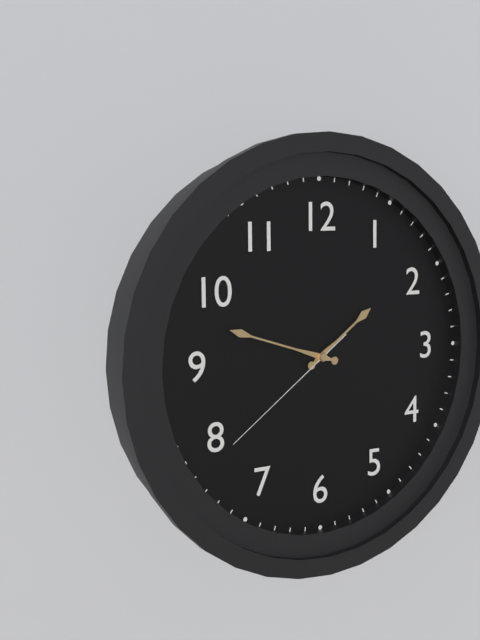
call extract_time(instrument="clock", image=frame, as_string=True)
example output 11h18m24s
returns 1h48m39s
